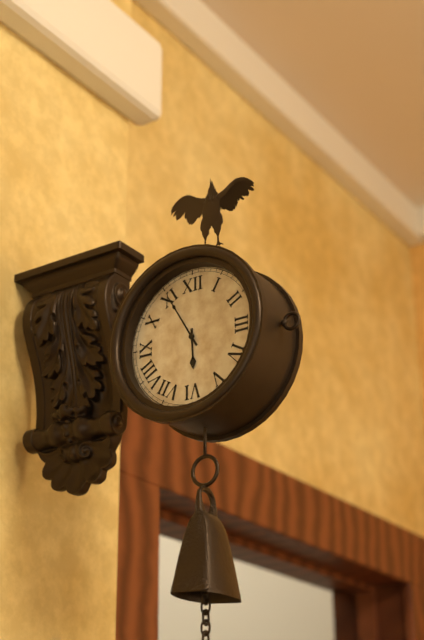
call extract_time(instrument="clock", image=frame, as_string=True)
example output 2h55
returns 5h55
